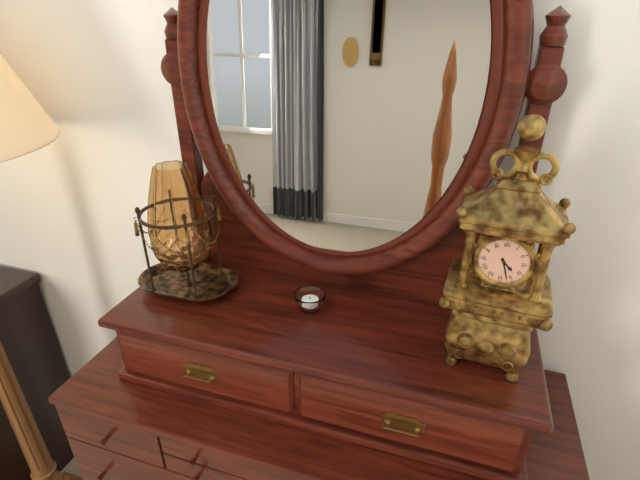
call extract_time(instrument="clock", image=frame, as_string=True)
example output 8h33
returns 4h27
